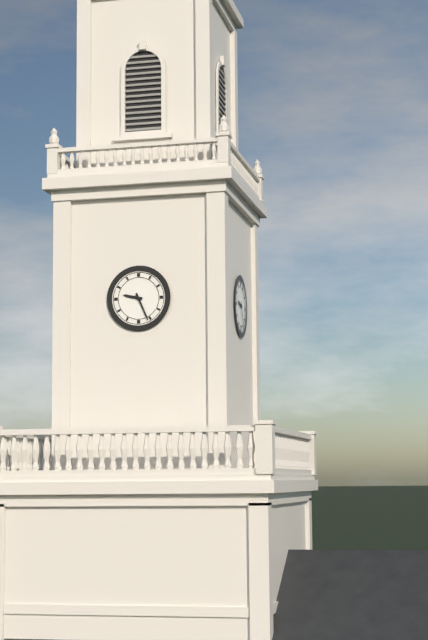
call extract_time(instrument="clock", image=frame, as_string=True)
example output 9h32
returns 9h26
